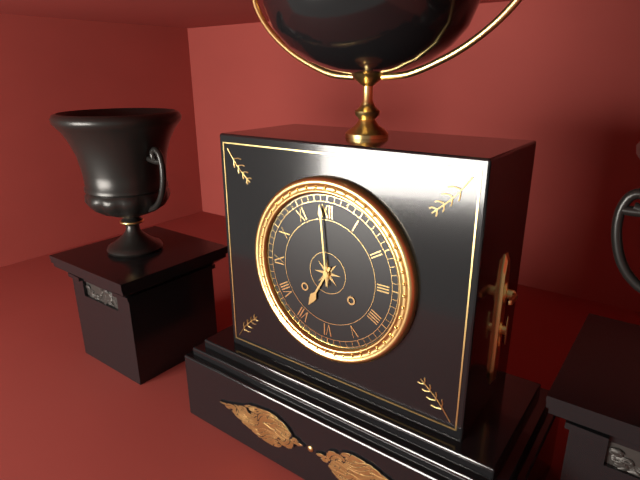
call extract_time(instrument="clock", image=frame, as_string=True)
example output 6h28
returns 6h59
